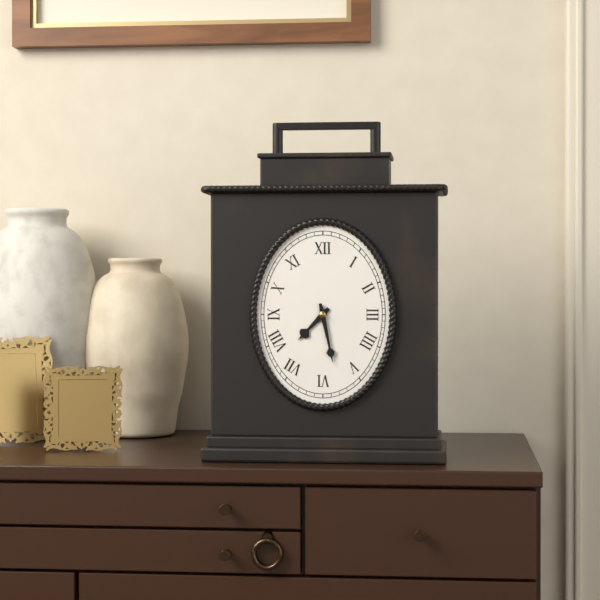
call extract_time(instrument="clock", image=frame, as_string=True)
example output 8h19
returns 7h28
